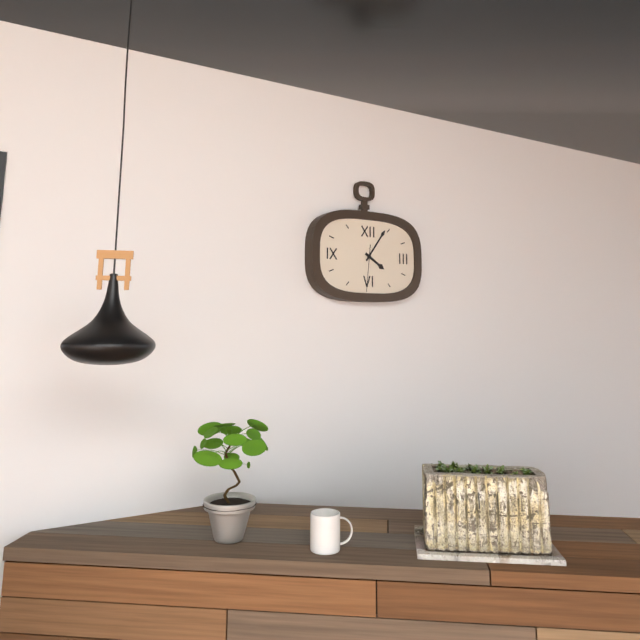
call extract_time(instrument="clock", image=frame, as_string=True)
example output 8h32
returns 4h06
